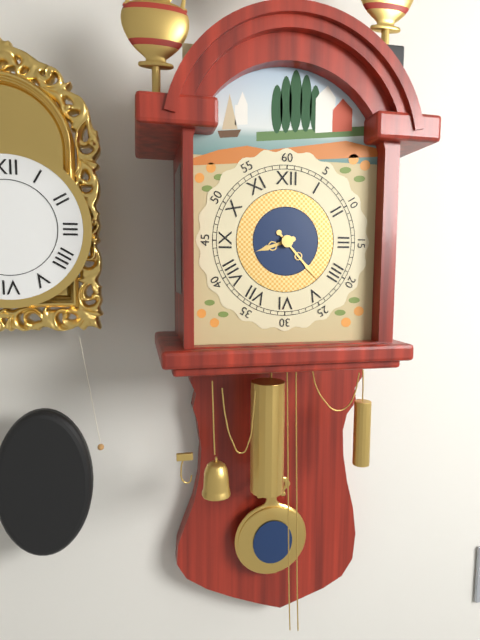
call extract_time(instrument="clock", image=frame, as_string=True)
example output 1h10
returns 8h23
